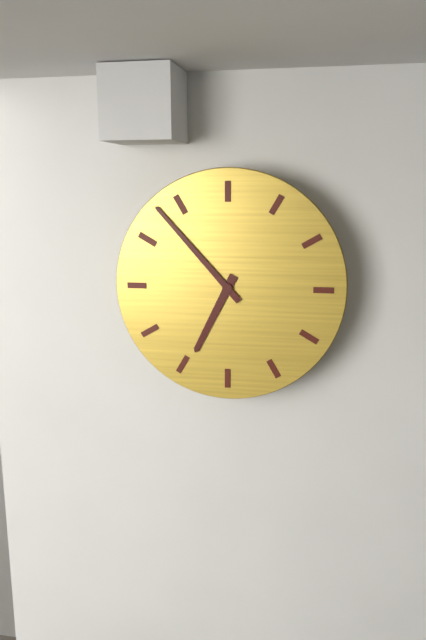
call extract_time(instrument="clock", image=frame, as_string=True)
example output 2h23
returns 6h53
